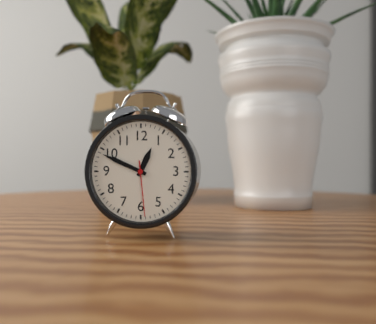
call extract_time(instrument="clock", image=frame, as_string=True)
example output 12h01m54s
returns 12h49m29s
